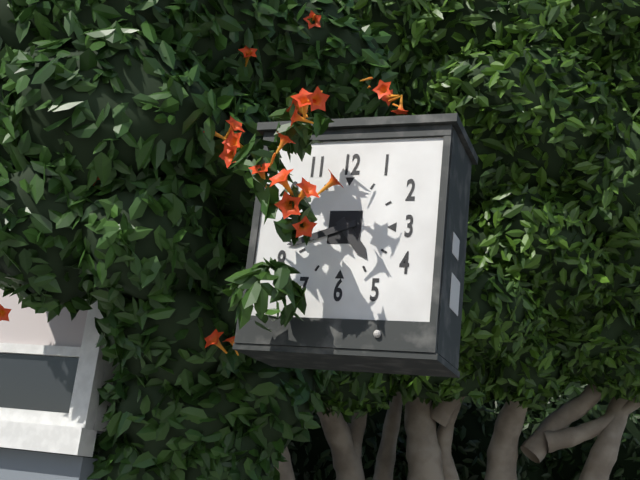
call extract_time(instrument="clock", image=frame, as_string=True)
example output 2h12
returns 4h42
